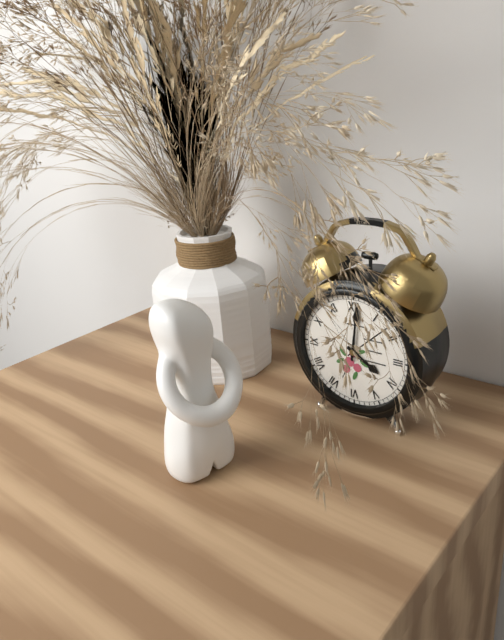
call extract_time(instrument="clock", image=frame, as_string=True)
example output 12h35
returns 4h01
